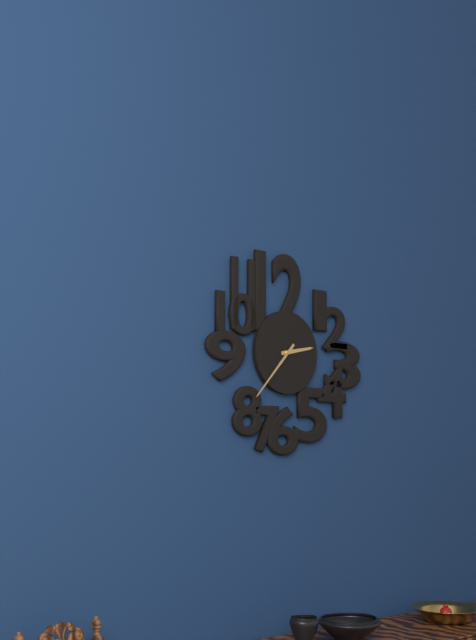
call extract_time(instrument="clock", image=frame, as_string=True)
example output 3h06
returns 2h37
